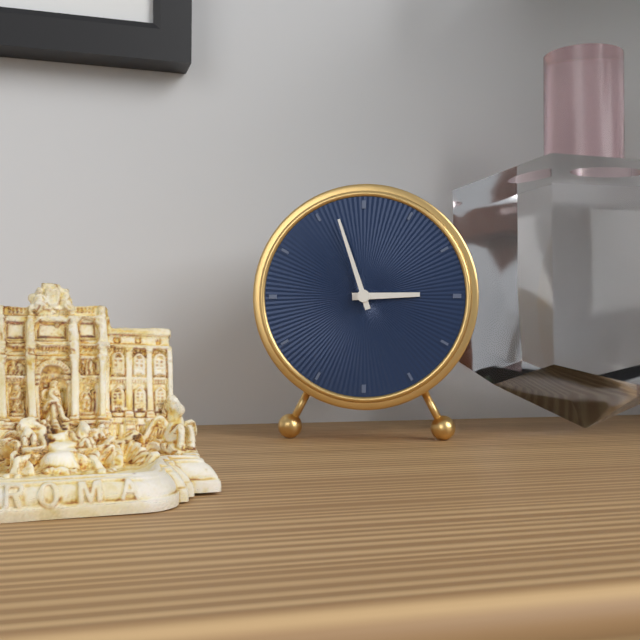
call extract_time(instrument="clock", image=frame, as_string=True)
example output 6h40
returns 2h57
